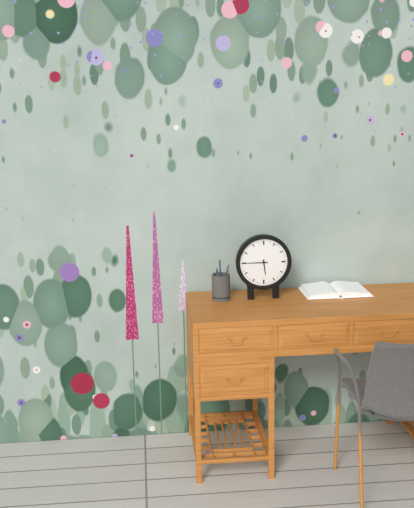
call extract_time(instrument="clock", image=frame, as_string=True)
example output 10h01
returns 5h45
